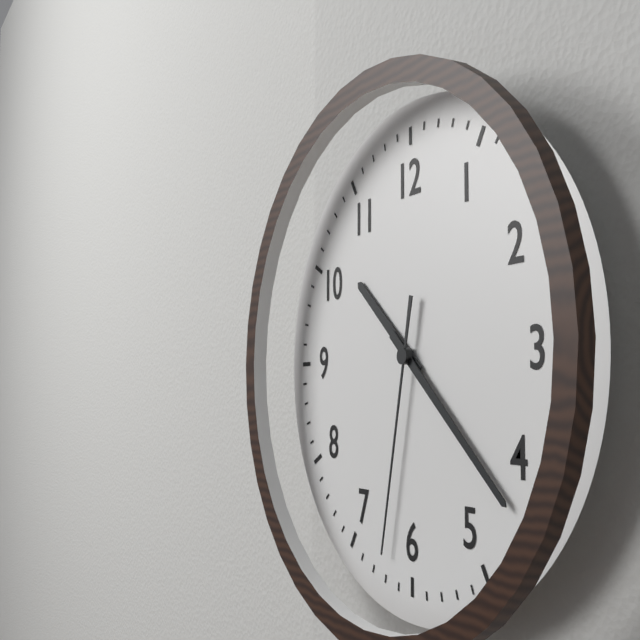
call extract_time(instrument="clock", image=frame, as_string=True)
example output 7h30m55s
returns 10h22m32s
